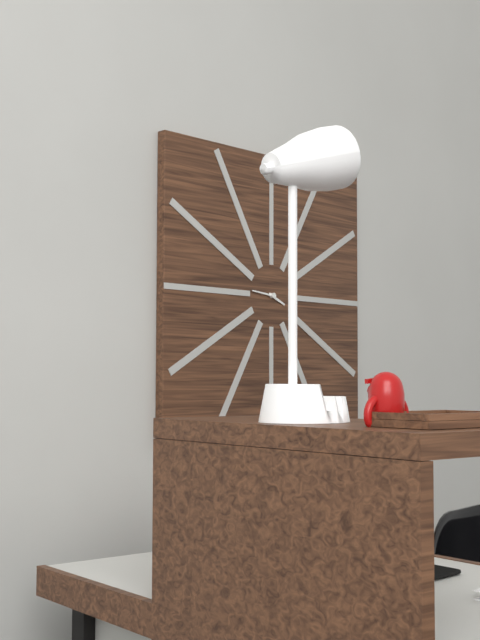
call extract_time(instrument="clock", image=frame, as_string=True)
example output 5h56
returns 3h46
